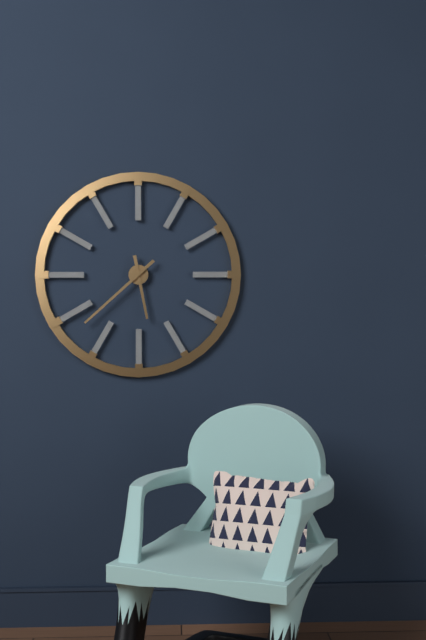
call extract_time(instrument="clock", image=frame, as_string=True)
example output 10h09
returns 5h38
